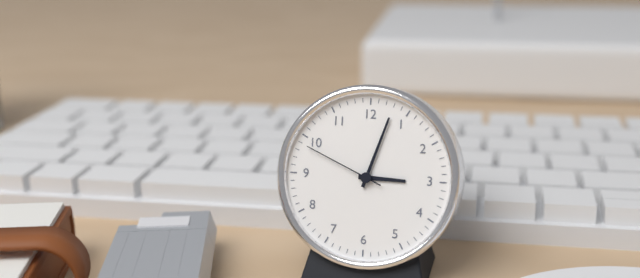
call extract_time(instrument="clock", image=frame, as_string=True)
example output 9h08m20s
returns 3h03m49s
